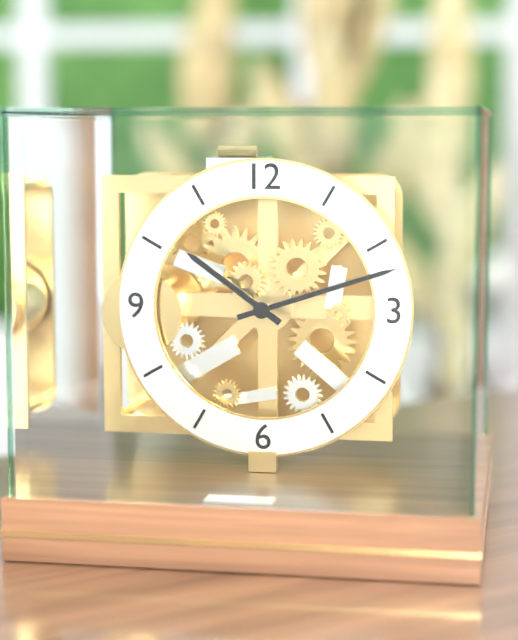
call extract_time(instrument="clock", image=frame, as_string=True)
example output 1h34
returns 10h12
